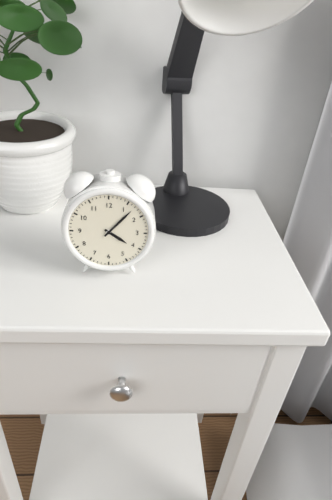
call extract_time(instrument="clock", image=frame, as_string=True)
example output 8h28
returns 4h07
